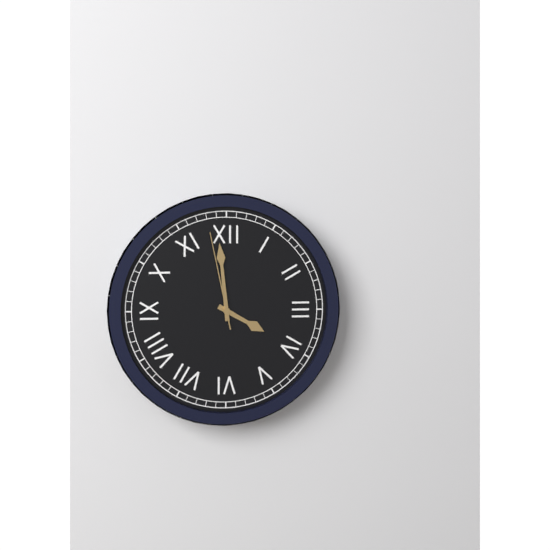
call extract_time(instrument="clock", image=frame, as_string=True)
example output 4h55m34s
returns 3h59m58s
